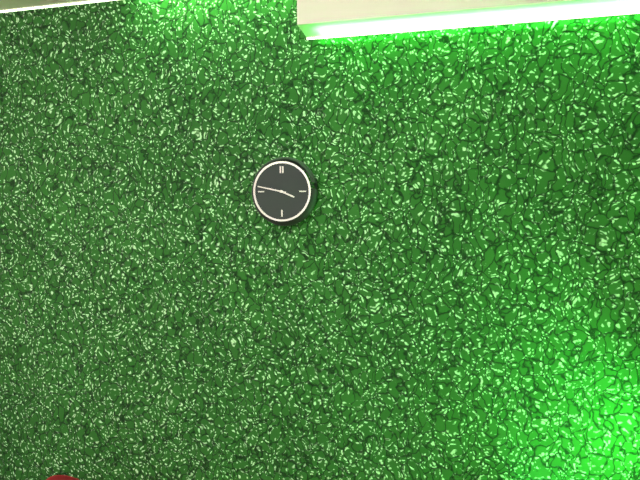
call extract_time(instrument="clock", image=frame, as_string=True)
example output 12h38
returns 3h47
